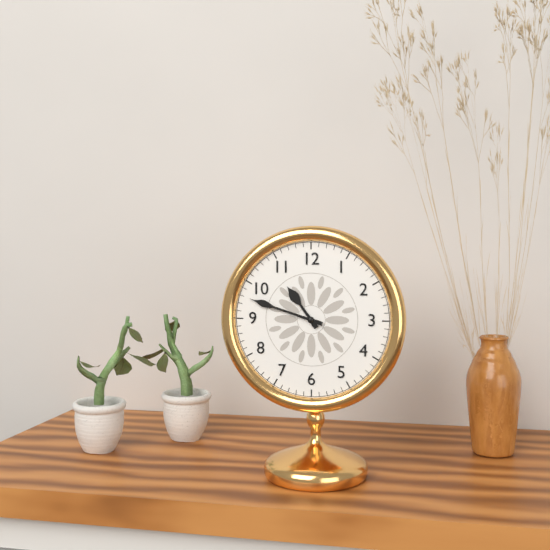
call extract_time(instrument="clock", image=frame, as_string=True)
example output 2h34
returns 10h48
